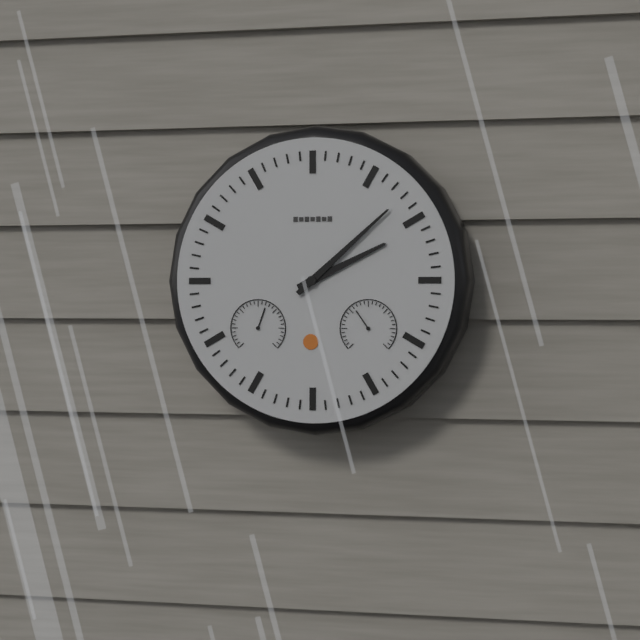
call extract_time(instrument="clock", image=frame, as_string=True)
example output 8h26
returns 2h08
